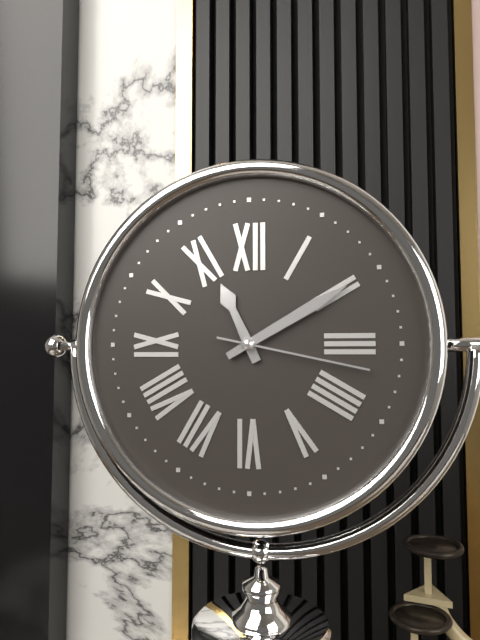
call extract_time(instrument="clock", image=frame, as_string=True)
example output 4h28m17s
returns 11h10m17s
